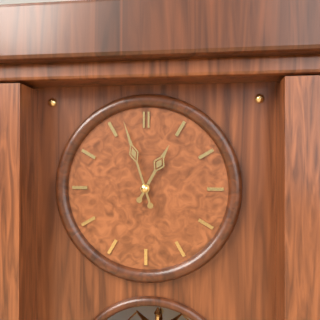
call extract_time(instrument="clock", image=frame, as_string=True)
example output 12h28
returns 12h57
